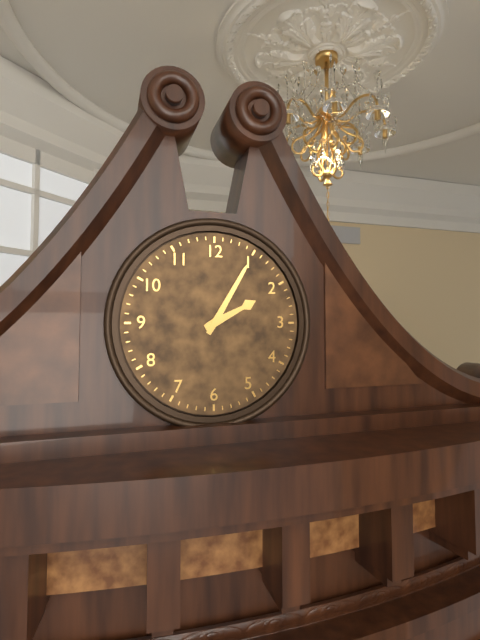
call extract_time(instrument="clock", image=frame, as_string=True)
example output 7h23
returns 2h05
